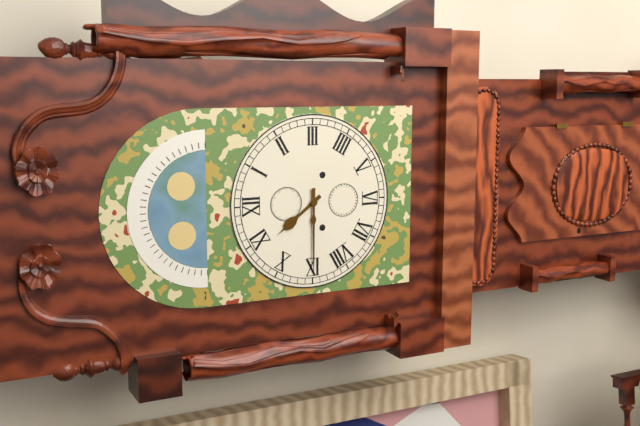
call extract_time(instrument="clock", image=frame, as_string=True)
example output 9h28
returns 10h45
